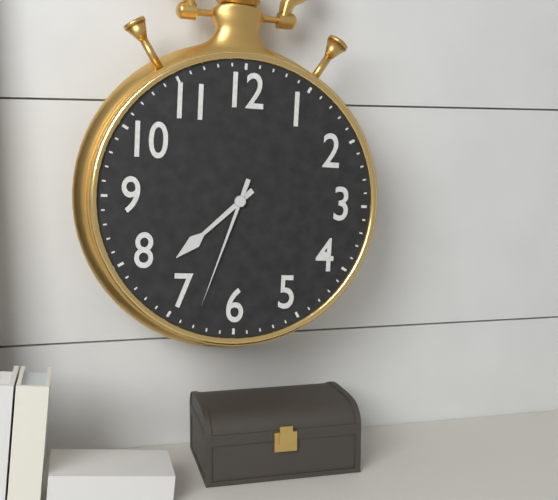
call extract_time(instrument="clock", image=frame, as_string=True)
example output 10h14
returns 7h33
